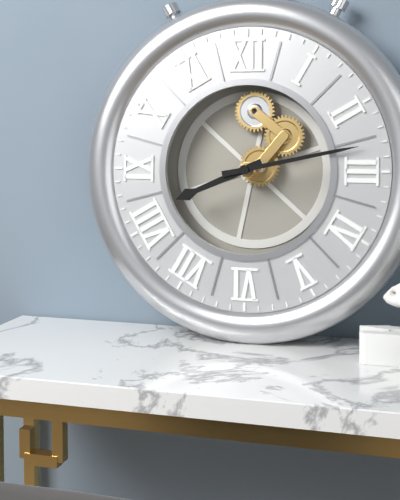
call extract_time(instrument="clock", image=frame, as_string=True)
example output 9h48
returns 8h13
